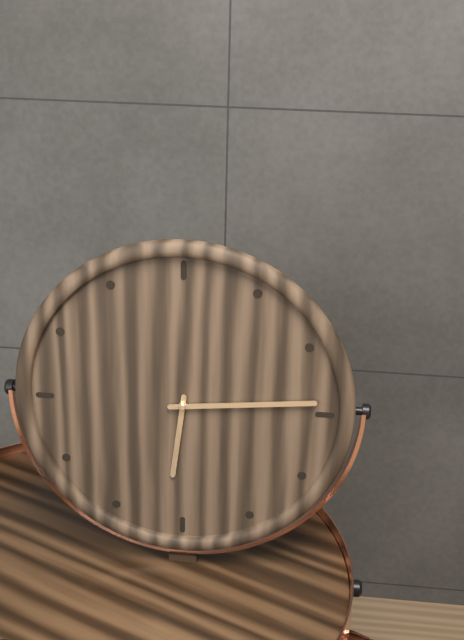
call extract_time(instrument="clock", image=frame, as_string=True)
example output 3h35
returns 6h14
